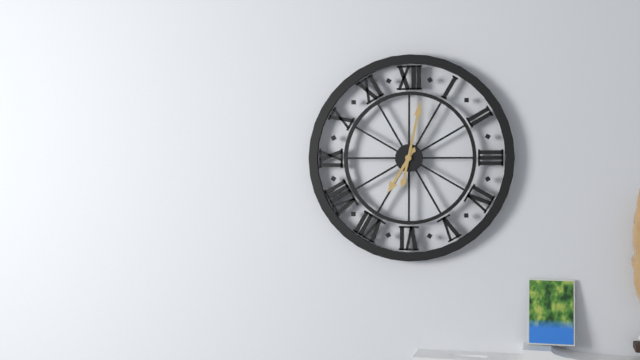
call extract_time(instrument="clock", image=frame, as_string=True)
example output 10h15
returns 7h02
